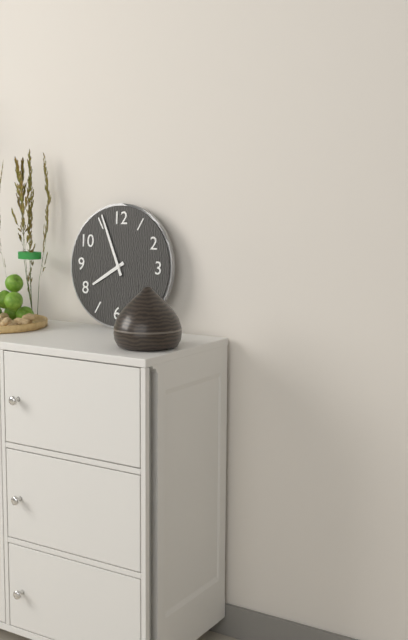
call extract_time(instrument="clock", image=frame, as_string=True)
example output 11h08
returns 7h56
